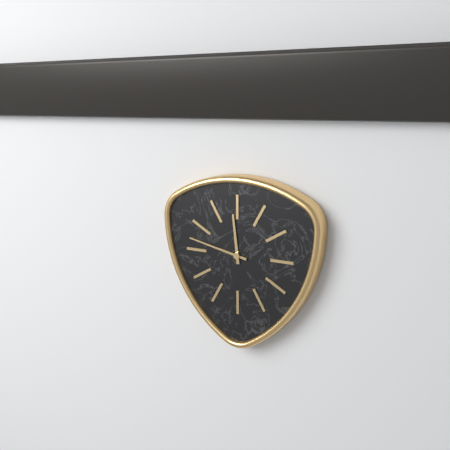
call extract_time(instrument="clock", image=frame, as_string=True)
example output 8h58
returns 11h47
